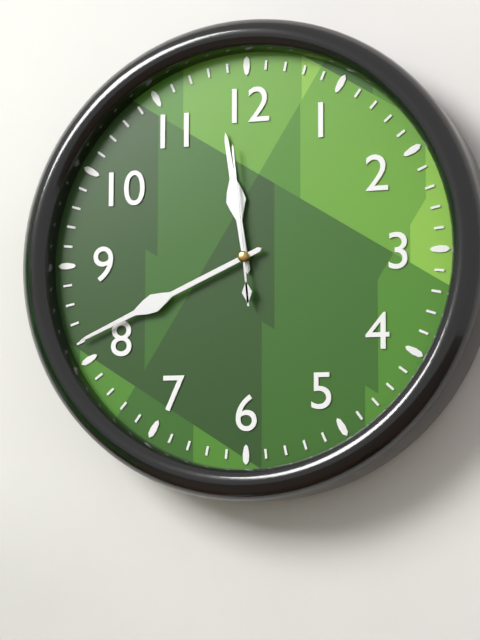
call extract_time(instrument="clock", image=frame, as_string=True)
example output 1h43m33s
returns 11h41m59s
